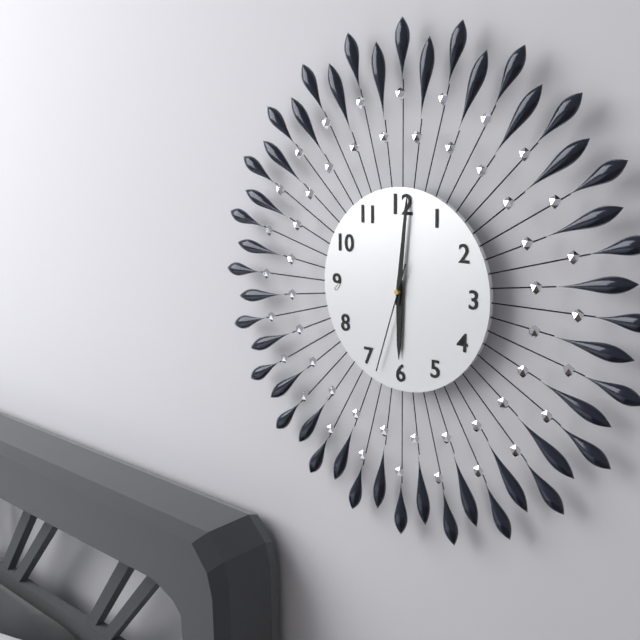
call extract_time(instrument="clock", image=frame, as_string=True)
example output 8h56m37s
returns 6h01m33s
